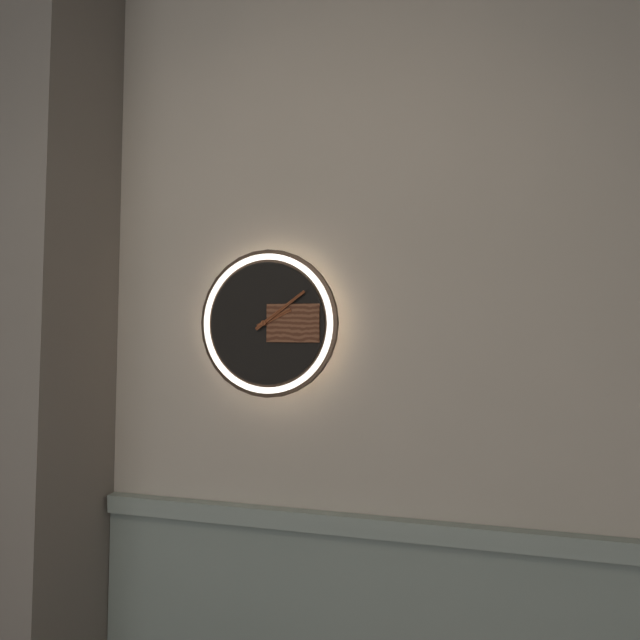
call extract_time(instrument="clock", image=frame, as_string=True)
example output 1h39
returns 2h09
